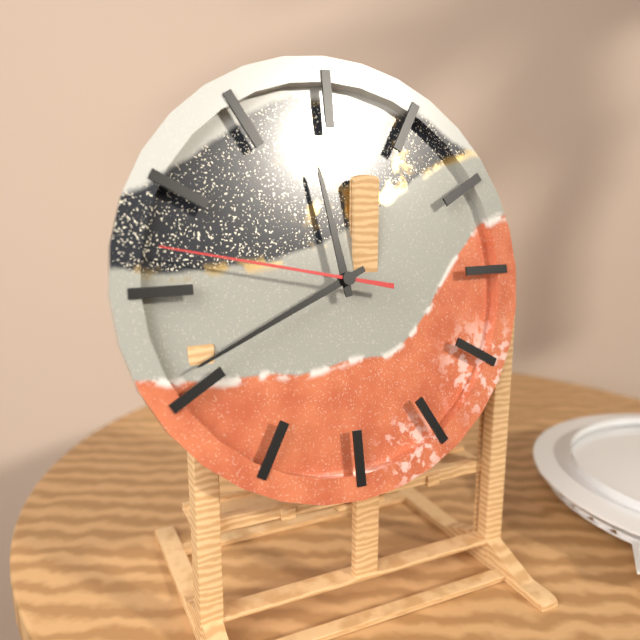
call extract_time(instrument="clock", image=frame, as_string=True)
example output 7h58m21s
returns 11h41m47s
